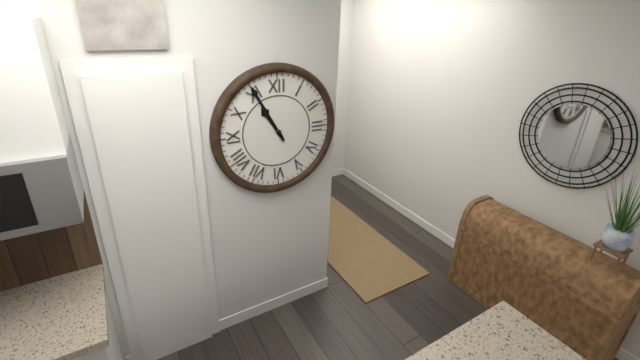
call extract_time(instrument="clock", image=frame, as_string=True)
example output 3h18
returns 10h55
